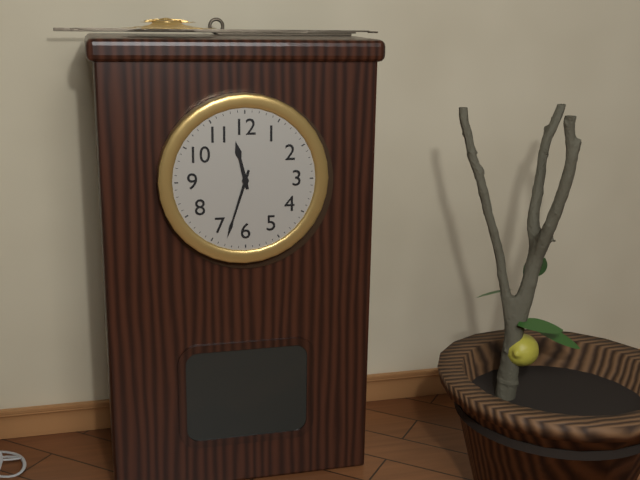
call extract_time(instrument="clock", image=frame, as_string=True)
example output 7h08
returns 11h33
